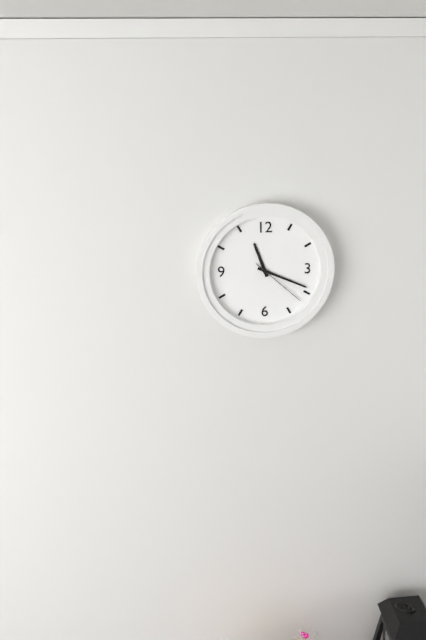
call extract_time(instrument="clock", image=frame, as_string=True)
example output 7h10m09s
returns 11h19m22s
